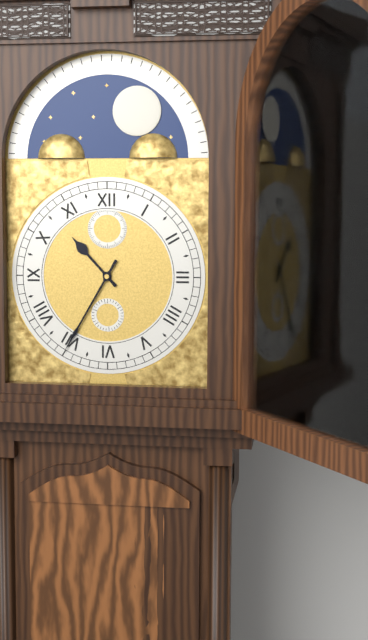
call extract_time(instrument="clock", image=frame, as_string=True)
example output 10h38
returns 10h35
